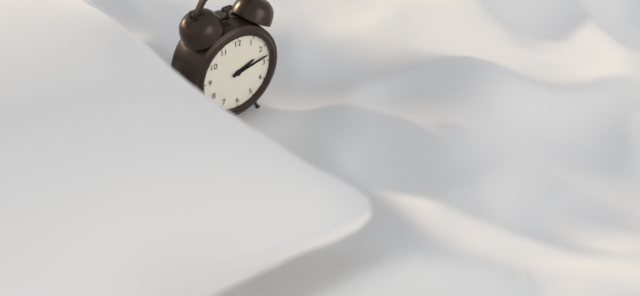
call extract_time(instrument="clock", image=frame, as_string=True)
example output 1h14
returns 2h13
